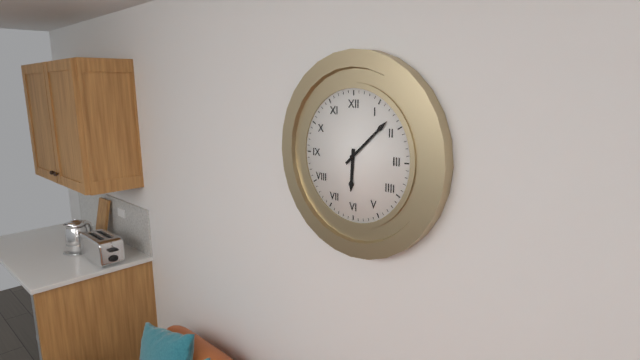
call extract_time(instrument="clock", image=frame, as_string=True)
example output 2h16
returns 6h08
